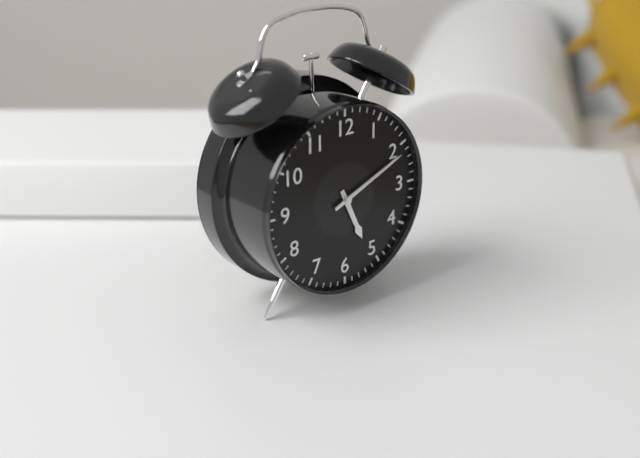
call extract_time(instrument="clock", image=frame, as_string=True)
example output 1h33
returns 5h11
